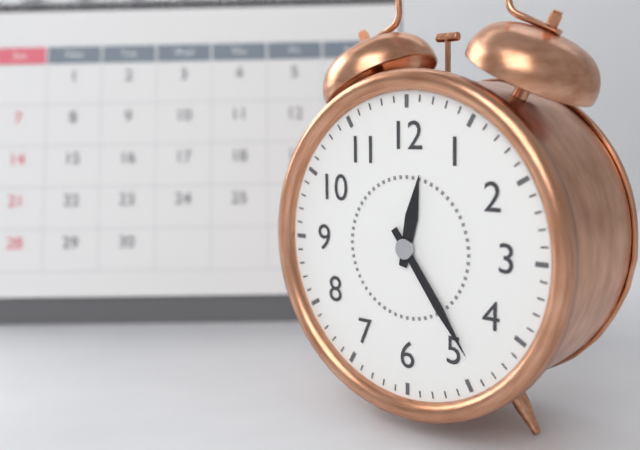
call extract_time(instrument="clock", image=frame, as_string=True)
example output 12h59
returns 12h24
